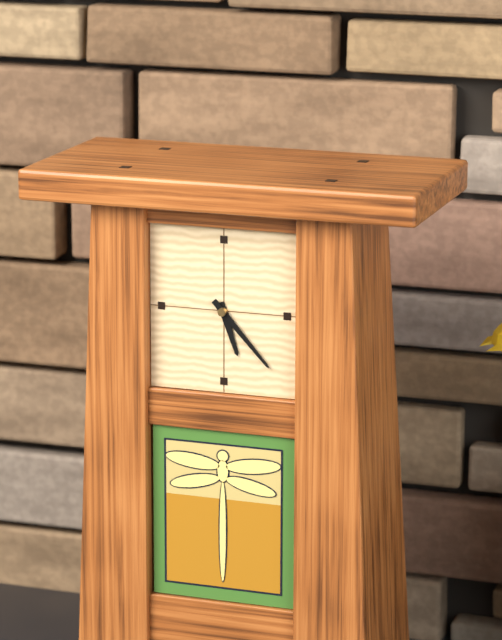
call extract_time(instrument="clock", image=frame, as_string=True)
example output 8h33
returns 5h23
